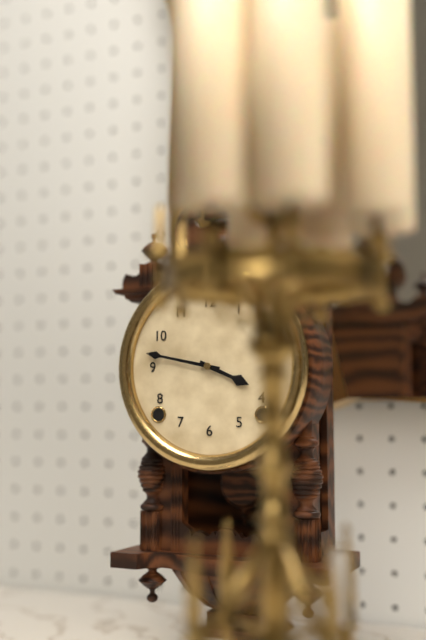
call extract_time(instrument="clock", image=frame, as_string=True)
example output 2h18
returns 3h47
